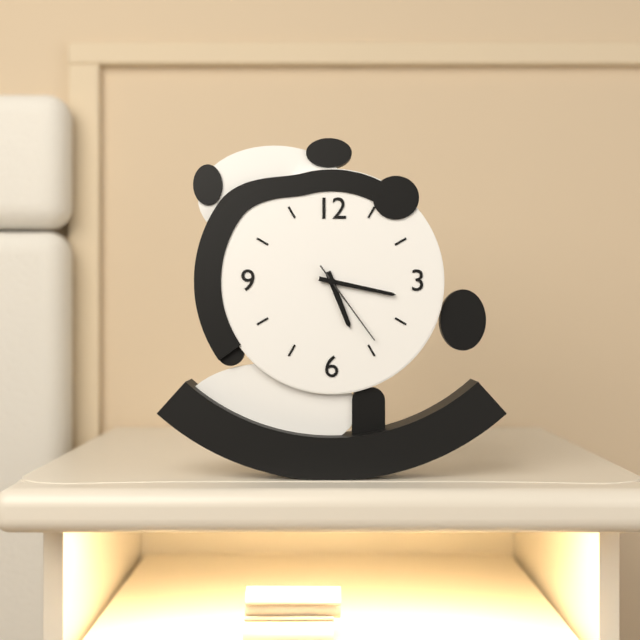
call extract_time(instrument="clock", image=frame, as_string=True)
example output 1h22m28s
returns 5h17m24s
